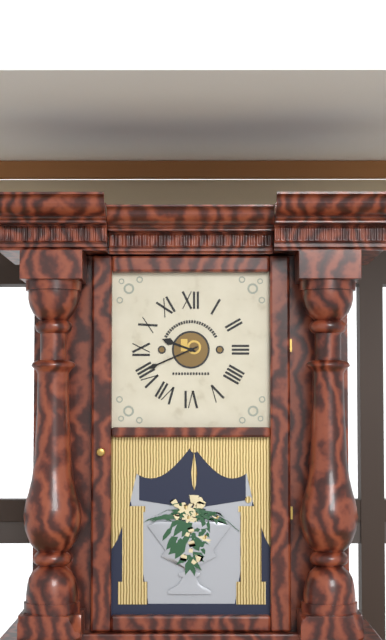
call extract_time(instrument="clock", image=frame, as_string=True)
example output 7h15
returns 9h41
